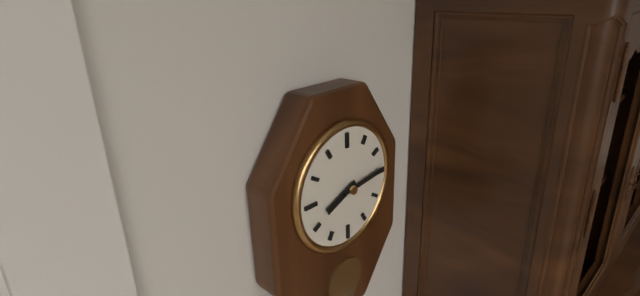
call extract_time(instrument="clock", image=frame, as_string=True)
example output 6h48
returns 8h14
